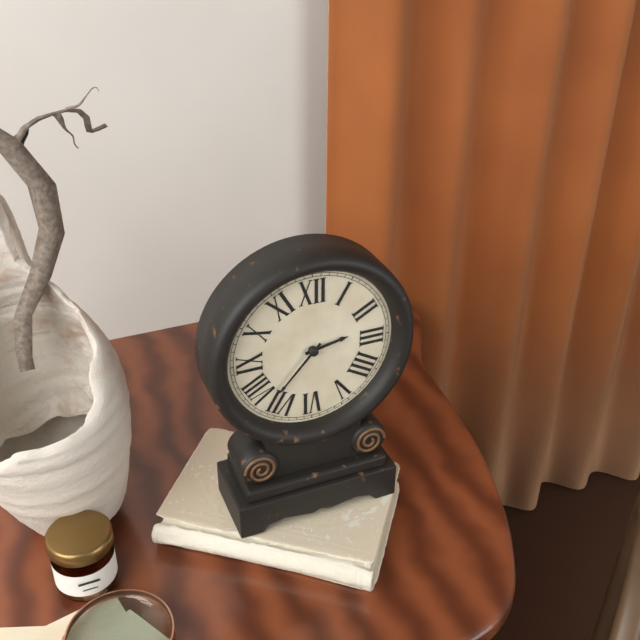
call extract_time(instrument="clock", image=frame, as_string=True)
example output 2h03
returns 2h37
